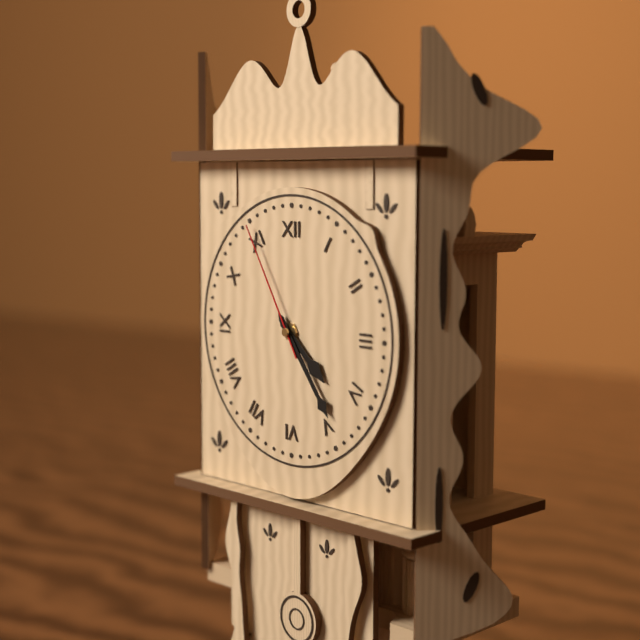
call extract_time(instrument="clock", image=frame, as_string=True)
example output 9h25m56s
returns 4h24m55s
